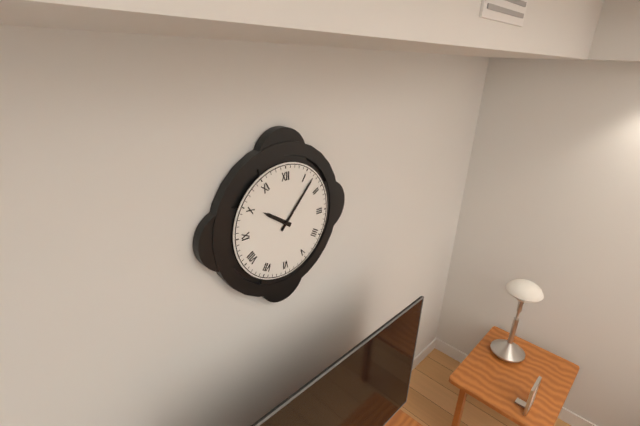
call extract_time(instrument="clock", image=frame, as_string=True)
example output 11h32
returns 10h07
